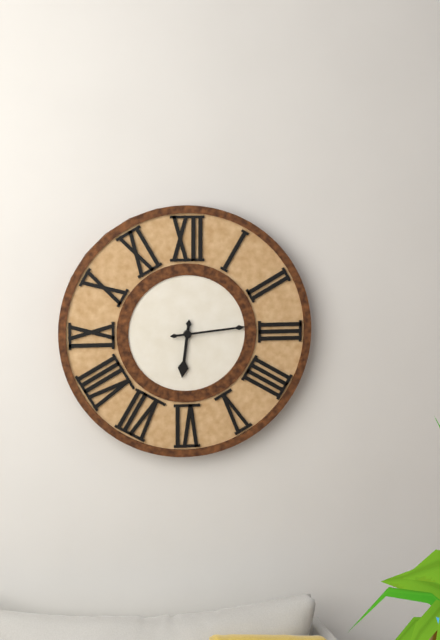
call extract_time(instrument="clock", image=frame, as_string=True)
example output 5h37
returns 6h14
